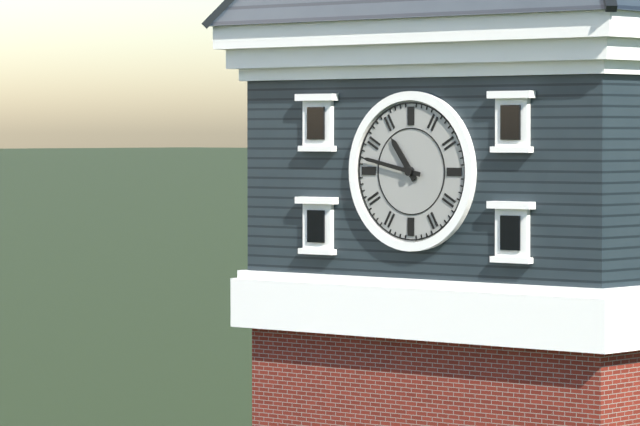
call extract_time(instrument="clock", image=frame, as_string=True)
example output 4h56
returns 10h47
